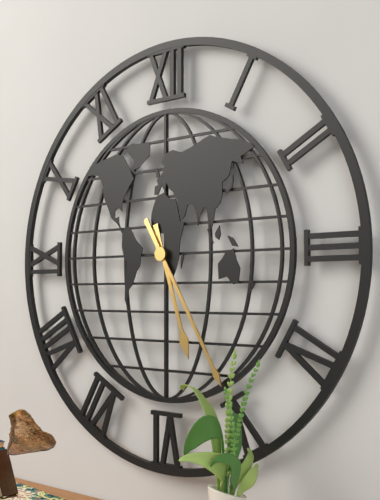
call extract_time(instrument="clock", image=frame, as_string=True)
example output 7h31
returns 5h25
